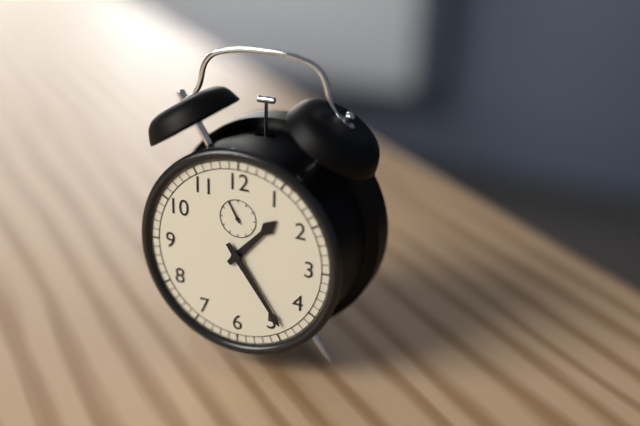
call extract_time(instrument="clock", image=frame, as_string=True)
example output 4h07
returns 1h24
